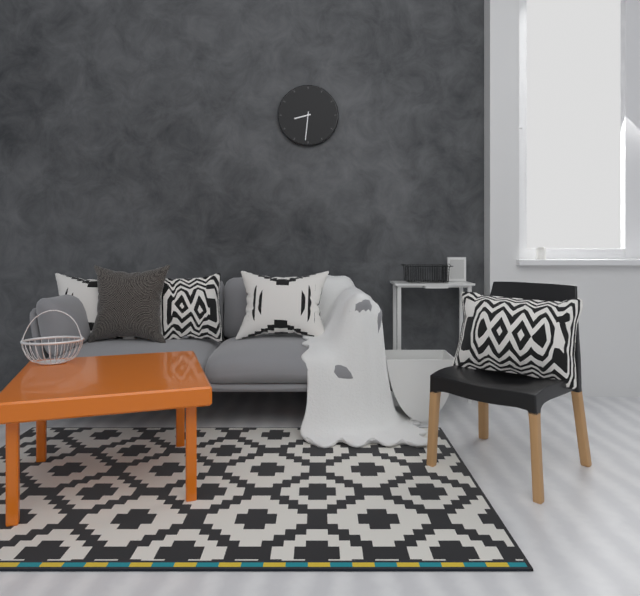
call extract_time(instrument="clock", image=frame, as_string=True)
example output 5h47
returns 8h31
